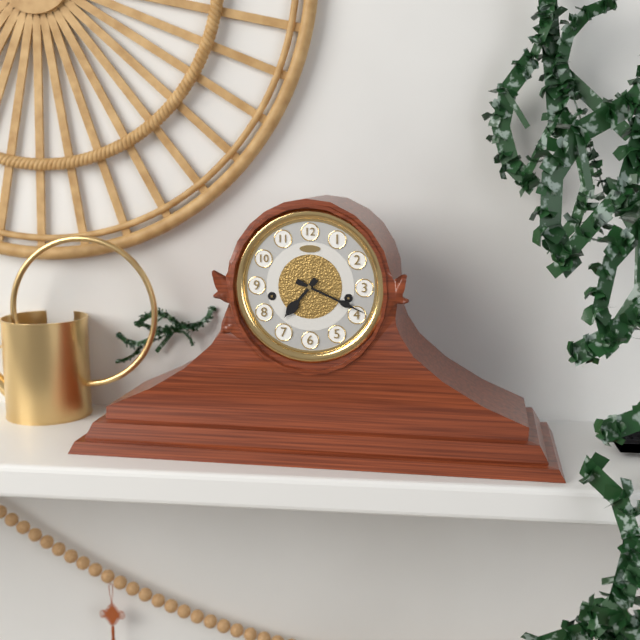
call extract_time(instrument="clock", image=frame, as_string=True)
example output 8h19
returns 7h19
